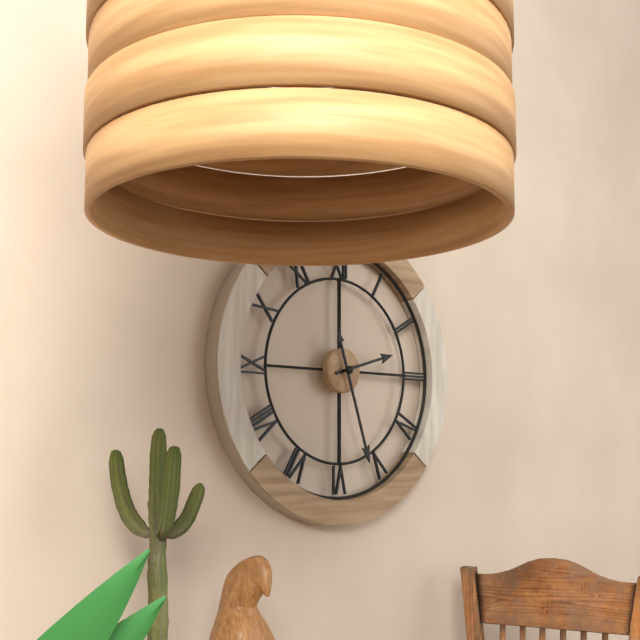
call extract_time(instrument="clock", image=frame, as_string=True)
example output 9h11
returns 2h27
